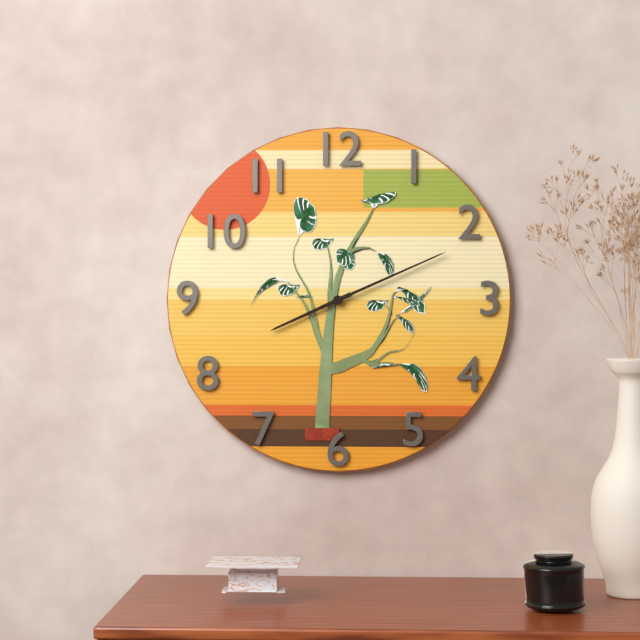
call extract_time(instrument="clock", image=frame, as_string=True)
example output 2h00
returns 8h11
